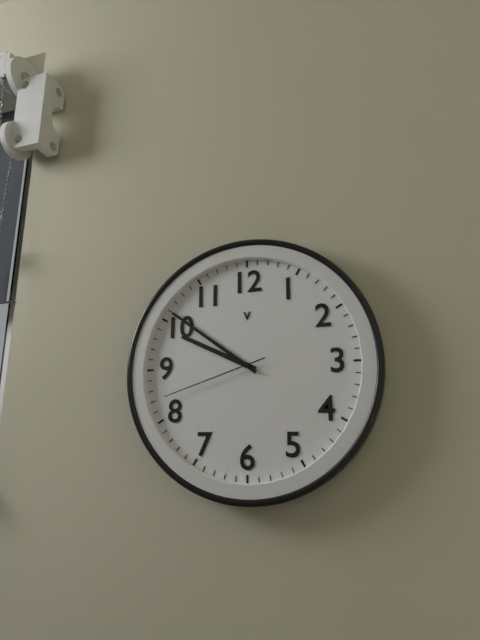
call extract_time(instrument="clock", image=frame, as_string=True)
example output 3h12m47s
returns 9h51m42s
